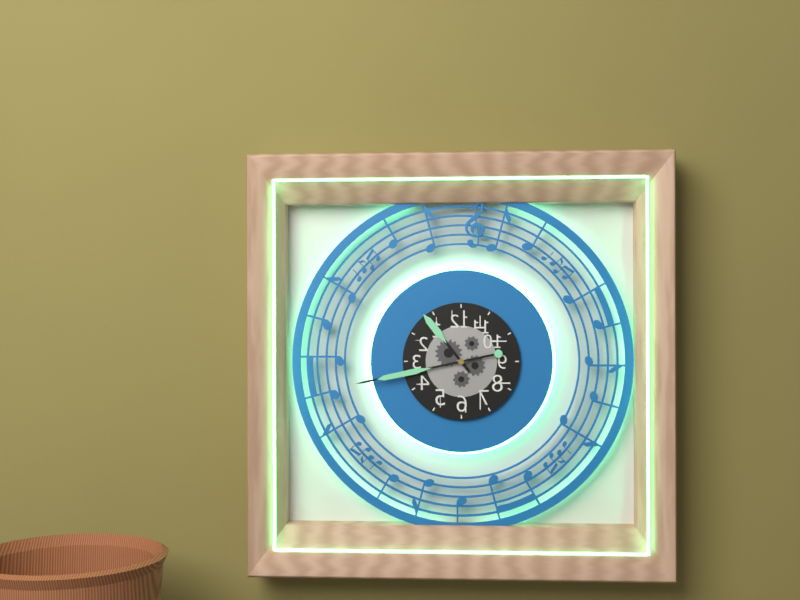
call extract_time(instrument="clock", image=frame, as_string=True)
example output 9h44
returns 10h43
